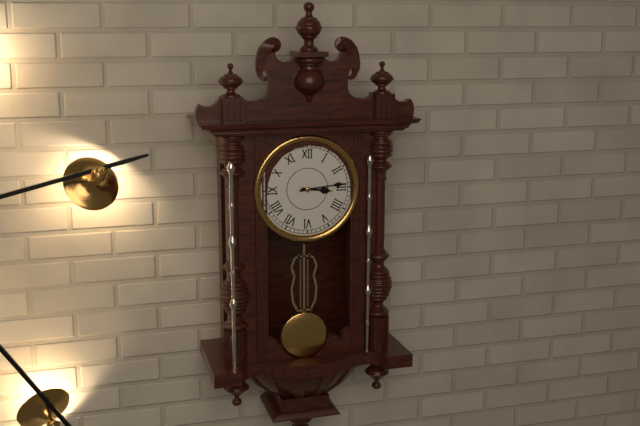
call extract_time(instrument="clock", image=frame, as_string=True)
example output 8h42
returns 3h14
